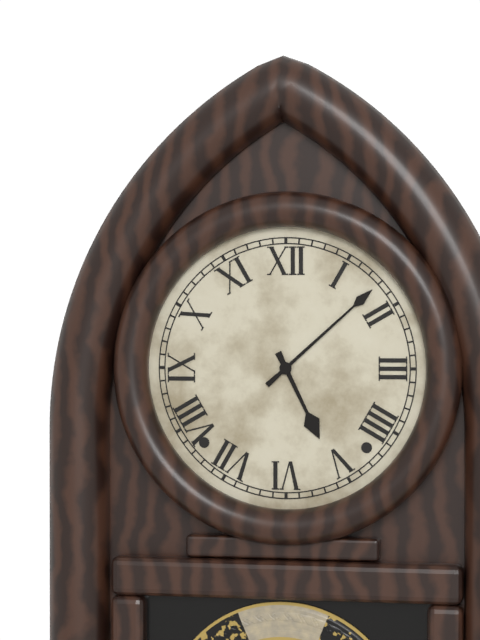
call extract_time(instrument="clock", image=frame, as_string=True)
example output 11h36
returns 5h08
